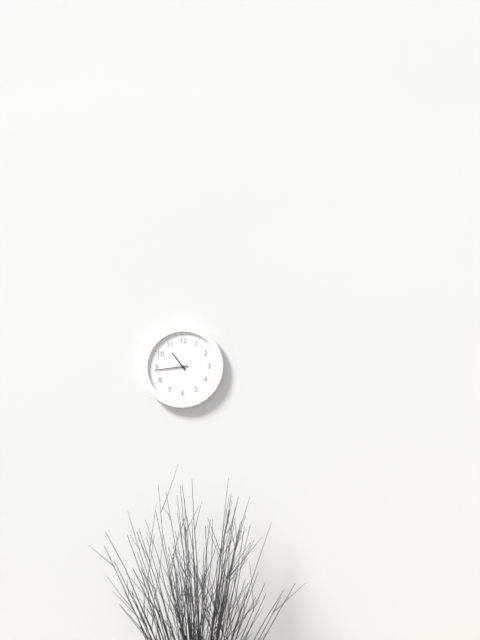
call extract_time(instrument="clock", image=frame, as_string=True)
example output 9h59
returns 10h44
